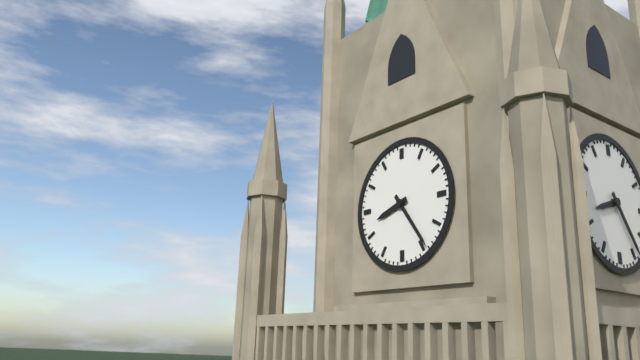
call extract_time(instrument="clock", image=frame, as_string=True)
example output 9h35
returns 8h24
